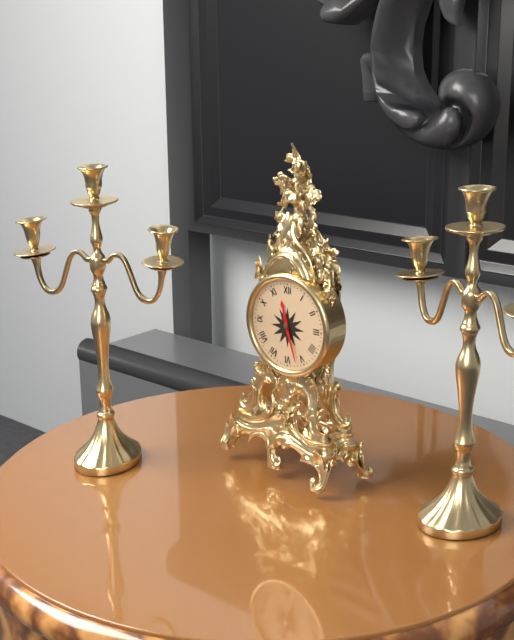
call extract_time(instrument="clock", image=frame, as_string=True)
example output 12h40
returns 11h27
